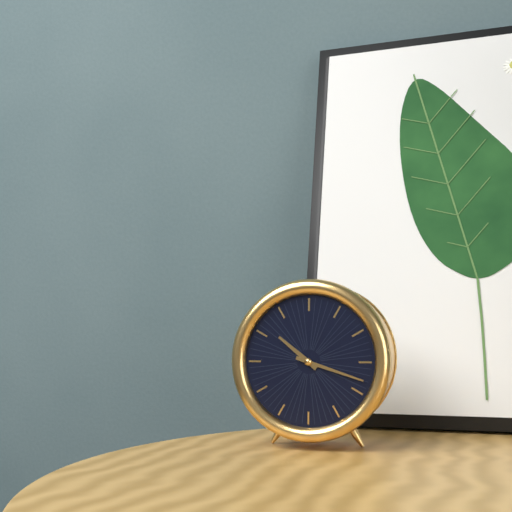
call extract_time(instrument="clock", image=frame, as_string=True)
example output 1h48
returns 10h18
